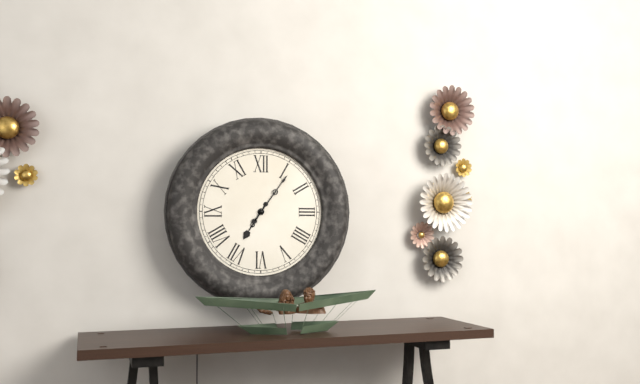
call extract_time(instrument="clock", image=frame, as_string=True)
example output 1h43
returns 7h06
